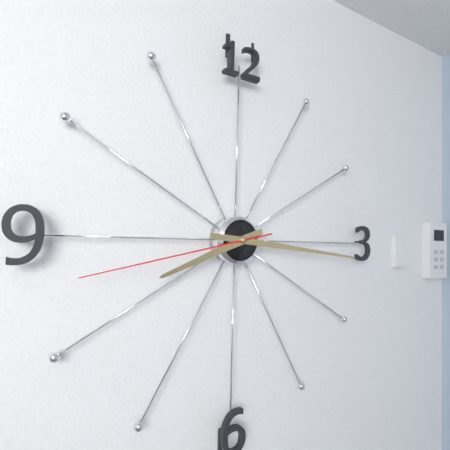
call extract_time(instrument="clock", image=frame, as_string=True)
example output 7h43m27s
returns 8h16m43s
